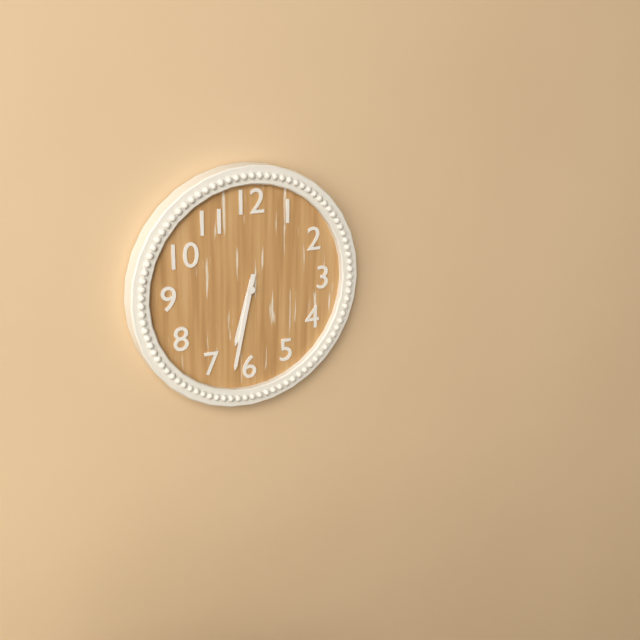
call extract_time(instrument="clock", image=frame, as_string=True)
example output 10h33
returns 6h32
